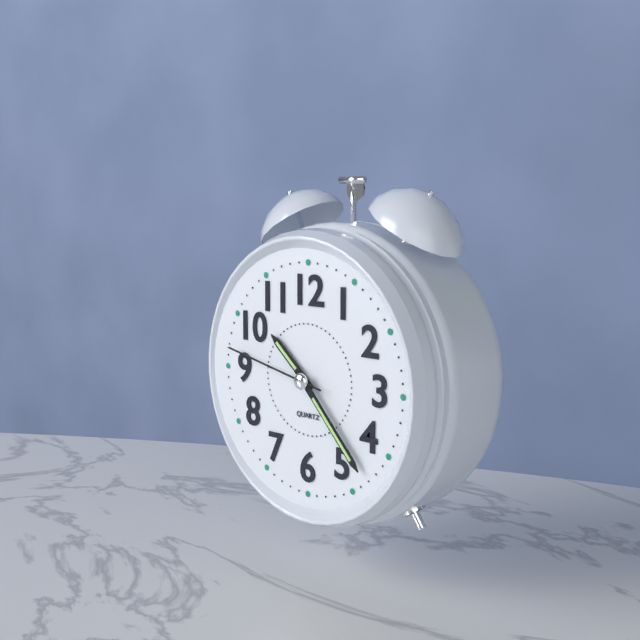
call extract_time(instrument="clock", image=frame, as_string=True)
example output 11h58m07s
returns 10h23m47s
